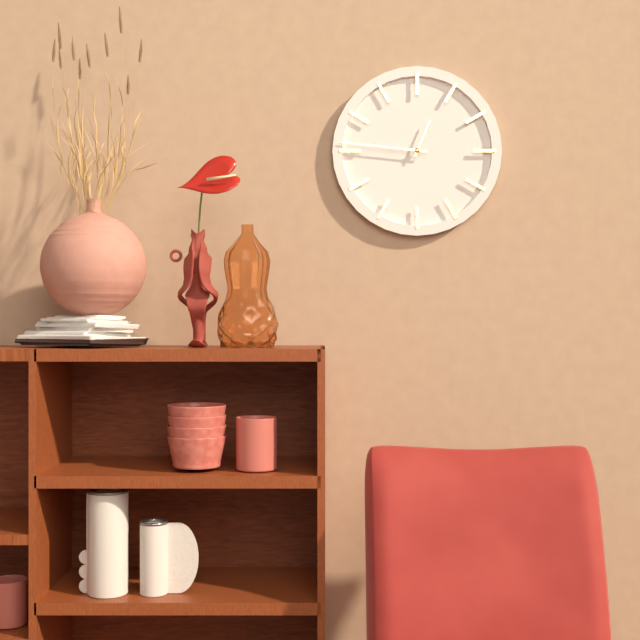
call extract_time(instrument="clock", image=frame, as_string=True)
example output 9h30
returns 12h46
